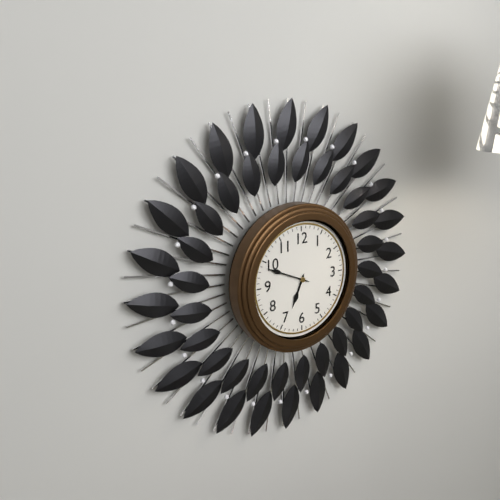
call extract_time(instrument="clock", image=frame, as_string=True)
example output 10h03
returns 6h49
